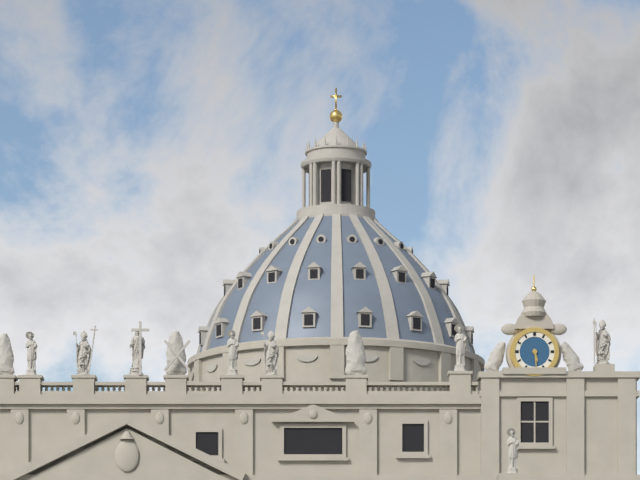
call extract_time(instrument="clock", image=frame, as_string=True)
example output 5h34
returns 5h29
